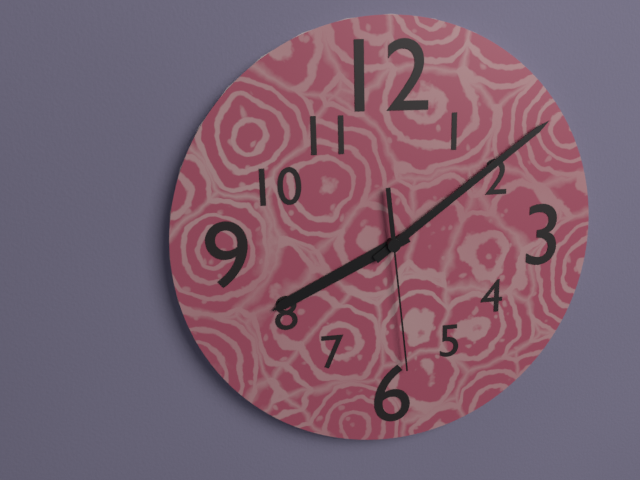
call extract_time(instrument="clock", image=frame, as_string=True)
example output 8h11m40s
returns 8h09m29s
